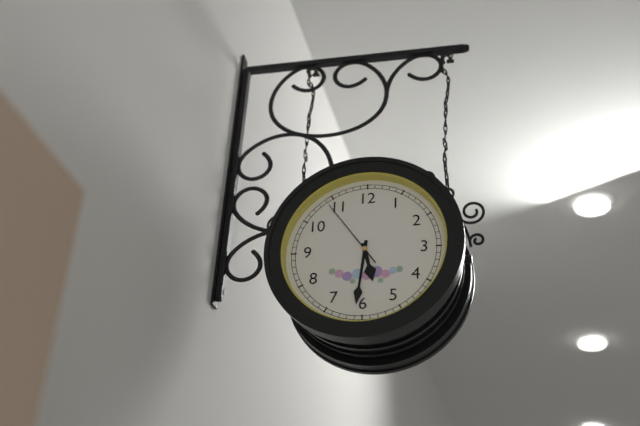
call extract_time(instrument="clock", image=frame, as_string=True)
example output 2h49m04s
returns 5h31m54s
